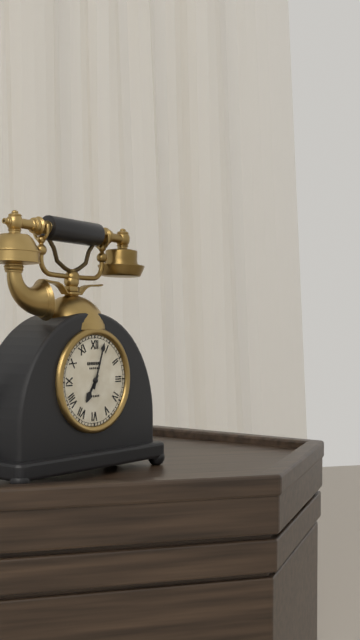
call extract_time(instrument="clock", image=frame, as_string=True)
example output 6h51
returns 7h03
